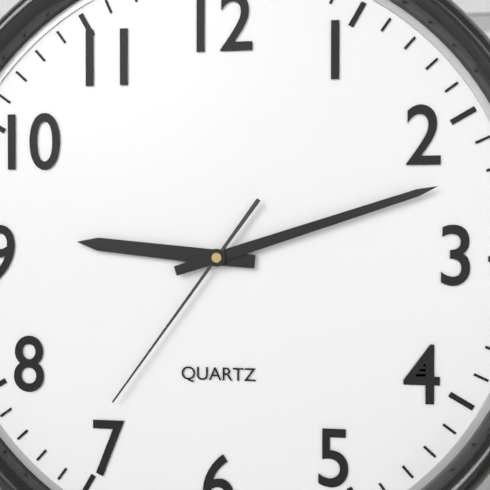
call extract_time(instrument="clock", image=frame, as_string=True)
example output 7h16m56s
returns 9h12m36s
